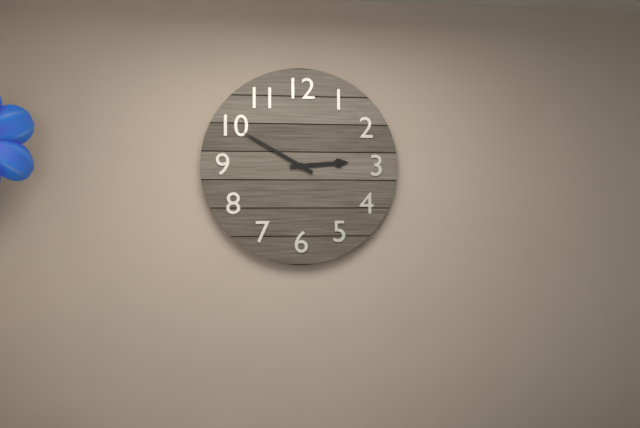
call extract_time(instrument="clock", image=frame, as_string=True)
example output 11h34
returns 2h50
